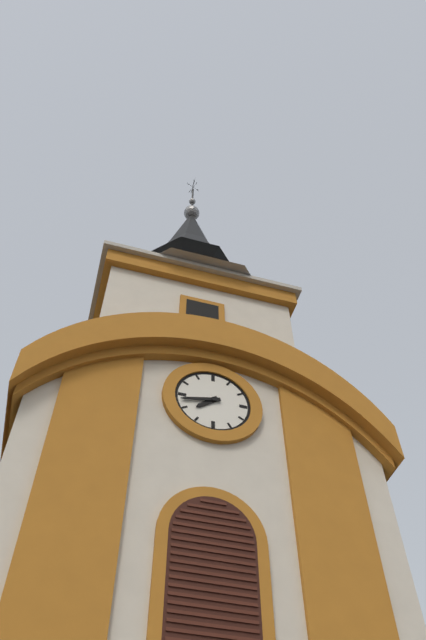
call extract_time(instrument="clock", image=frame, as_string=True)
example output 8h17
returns 7h43
